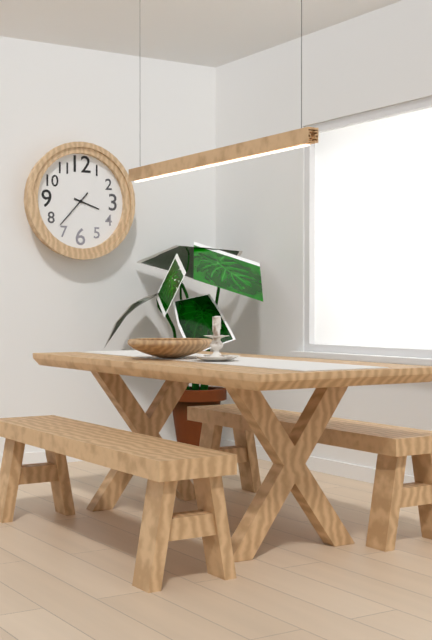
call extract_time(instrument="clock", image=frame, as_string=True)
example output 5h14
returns 3h37
